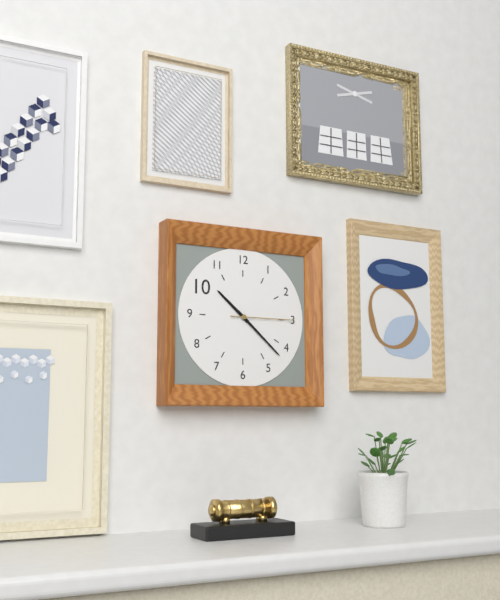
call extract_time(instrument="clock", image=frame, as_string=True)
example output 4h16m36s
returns 10h22m15s
